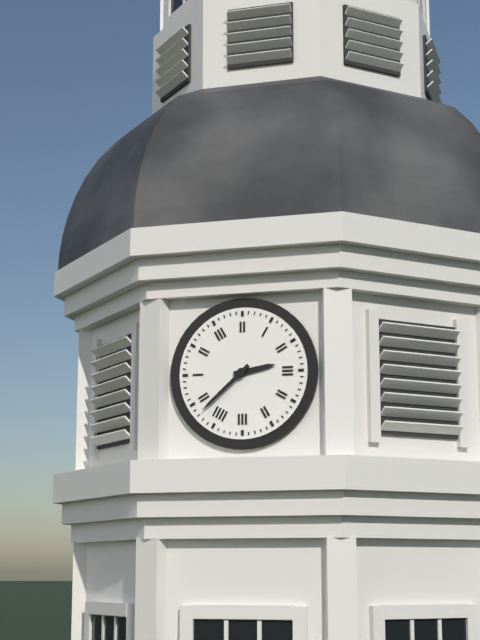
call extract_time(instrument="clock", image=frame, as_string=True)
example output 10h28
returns 2h38
